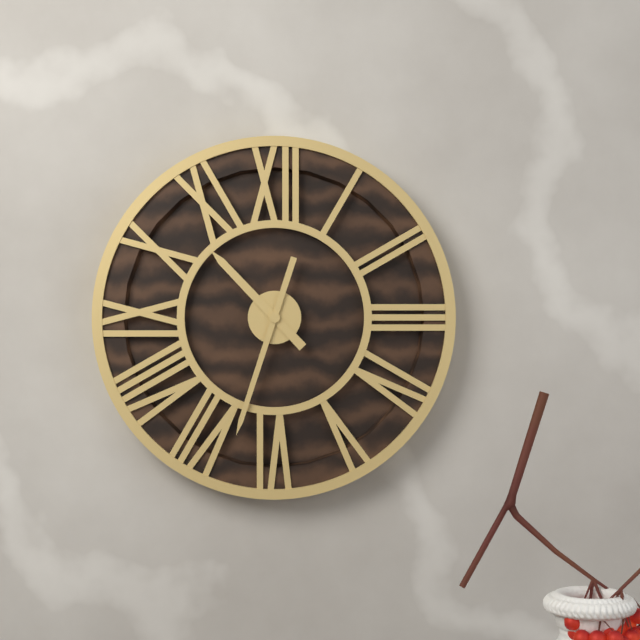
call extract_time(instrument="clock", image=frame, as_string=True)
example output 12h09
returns 10h33
